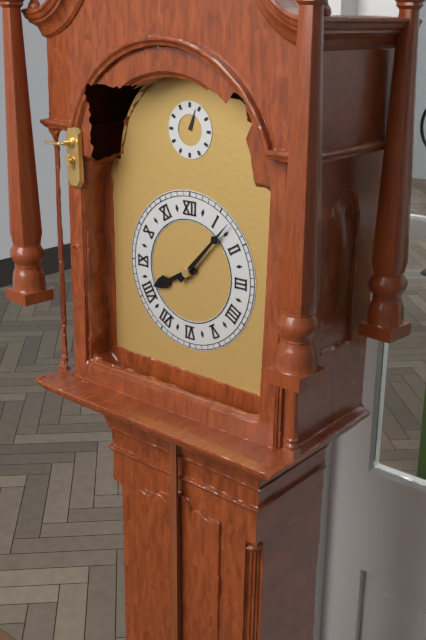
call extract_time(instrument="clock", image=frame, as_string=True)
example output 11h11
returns 8h07
